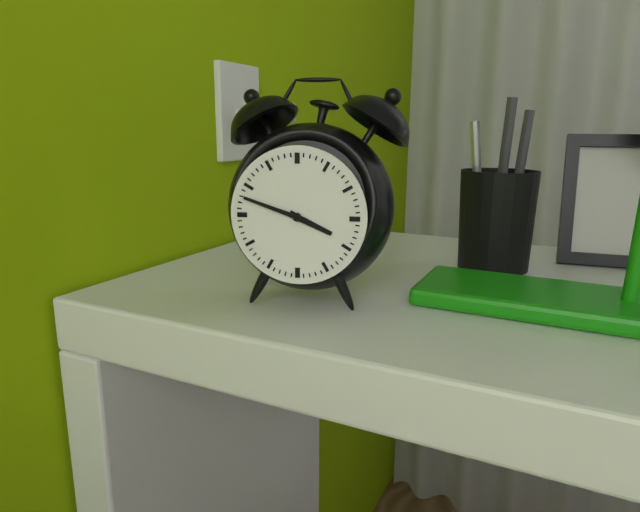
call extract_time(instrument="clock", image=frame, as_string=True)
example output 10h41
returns 3h48
